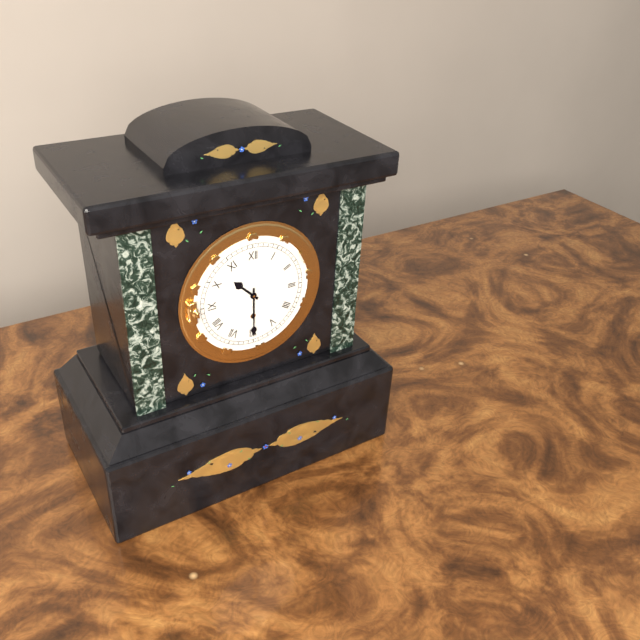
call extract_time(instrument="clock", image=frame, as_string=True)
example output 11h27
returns 10h30
